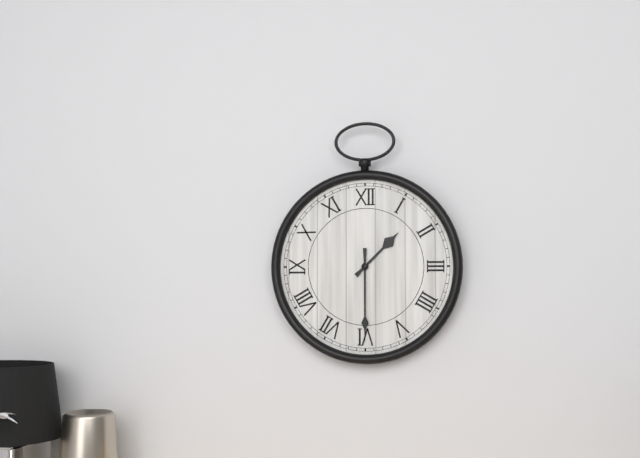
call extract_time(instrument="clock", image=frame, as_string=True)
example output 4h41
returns 1h30
